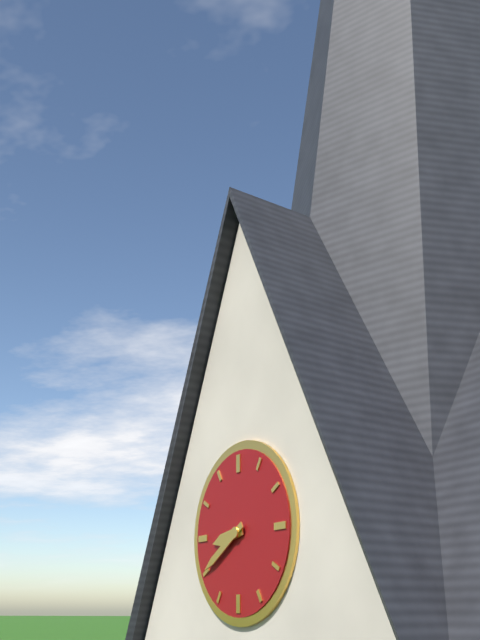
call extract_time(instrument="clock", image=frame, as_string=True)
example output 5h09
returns 8h40
